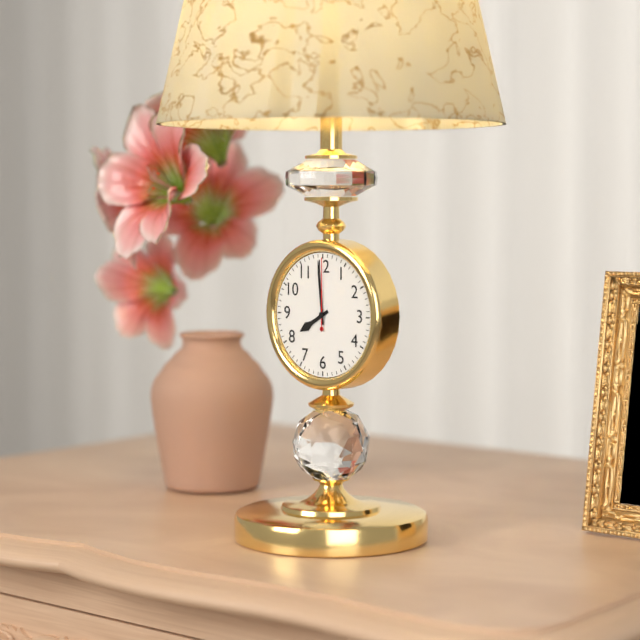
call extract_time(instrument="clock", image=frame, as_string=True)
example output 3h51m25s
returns 7h59m00s
